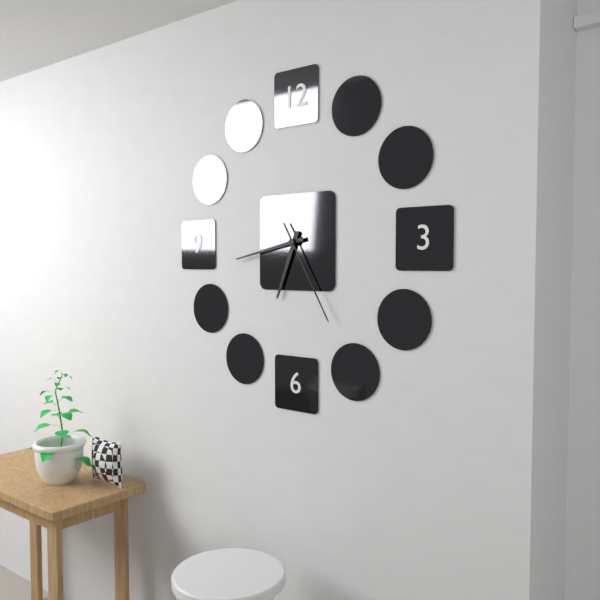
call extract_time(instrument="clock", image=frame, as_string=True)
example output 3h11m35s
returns 6h43m25s
